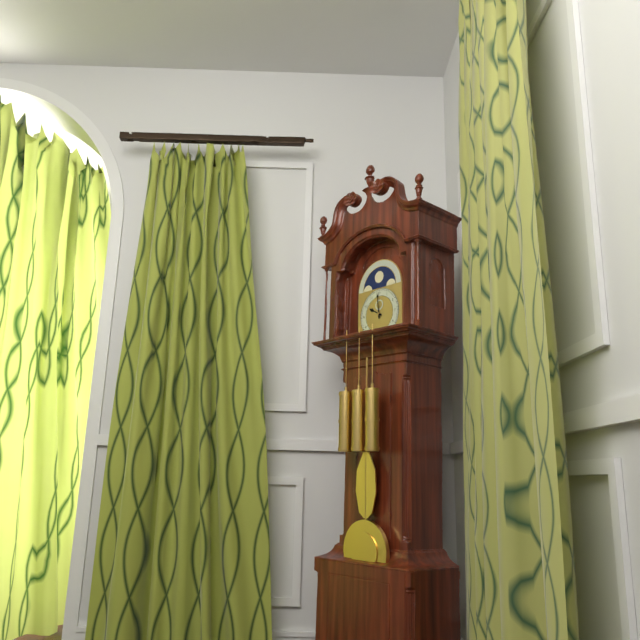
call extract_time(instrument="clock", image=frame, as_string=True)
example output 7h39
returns 9h59
